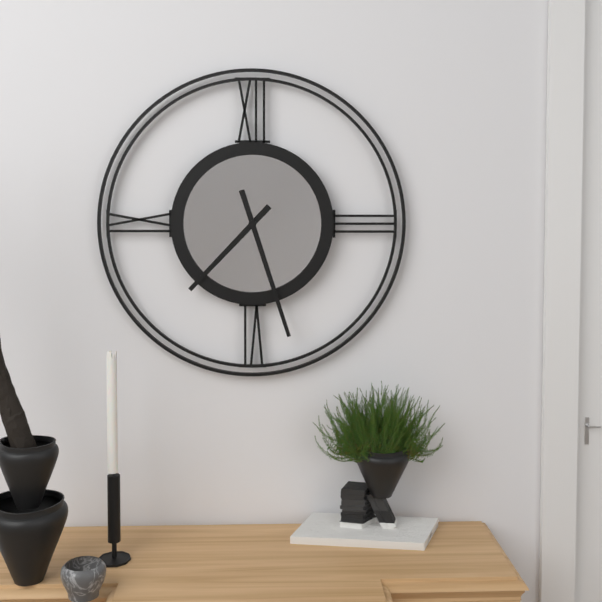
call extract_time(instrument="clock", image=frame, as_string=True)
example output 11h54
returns 7h27
